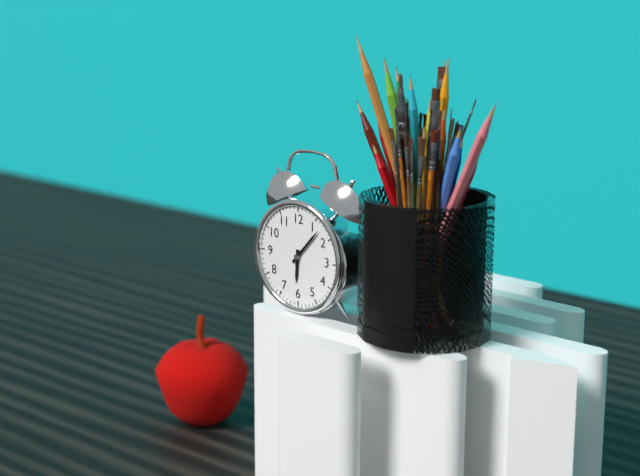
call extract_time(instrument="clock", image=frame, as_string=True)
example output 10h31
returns 6h07
